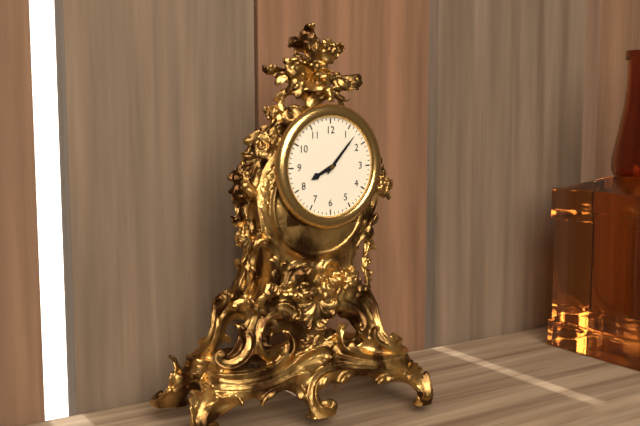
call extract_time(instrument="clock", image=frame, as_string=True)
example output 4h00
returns 8h07
